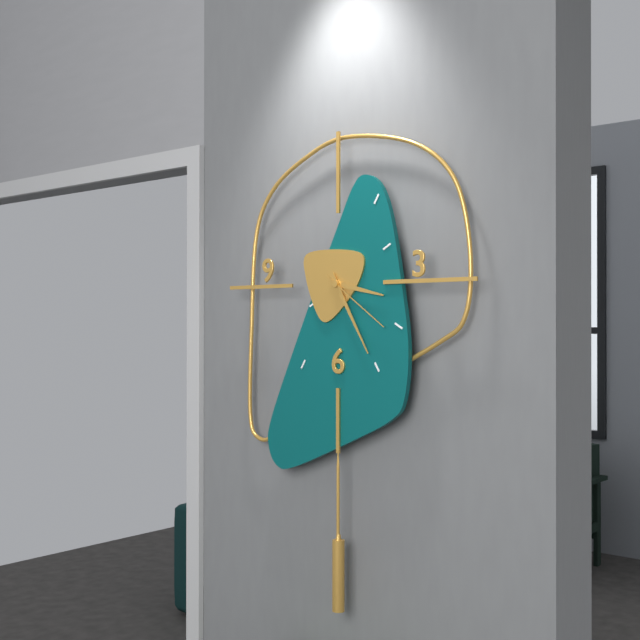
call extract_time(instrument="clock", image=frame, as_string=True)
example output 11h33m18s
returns 3h25m21s
